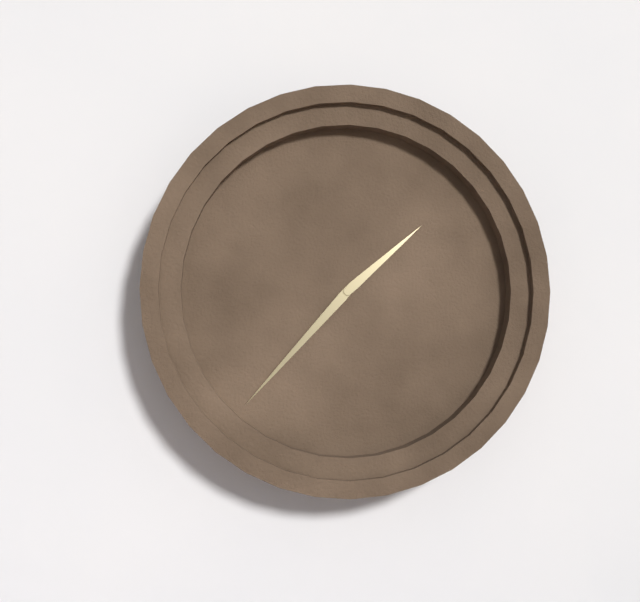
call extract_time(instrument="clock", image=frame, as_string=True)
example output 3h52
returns 1h37
